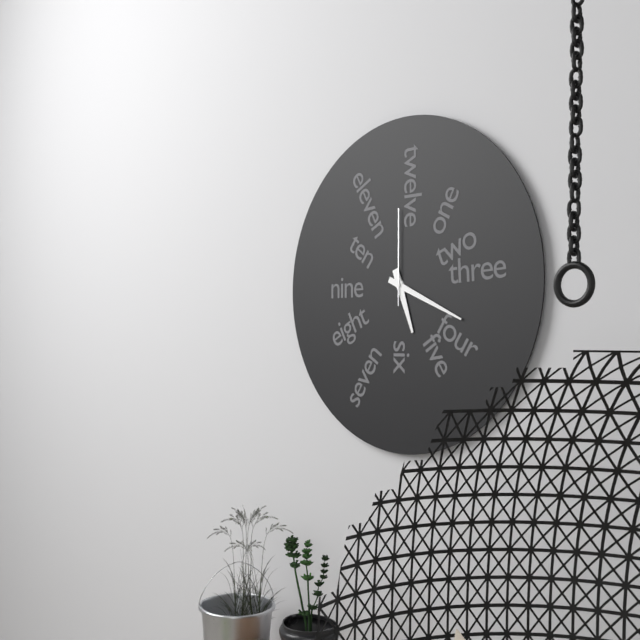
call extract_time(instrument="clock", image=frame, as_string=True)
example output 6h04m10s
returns 5h19m00s
